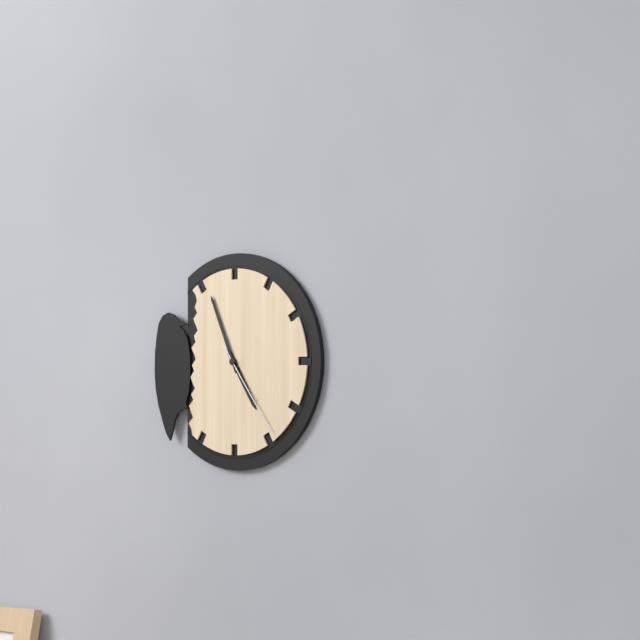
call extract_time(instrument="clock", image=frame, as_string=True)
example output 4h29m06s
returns 4h56m24s
